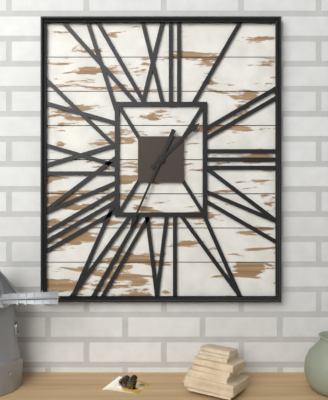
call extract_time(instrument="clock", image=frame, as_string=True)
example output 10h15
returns 1h34
